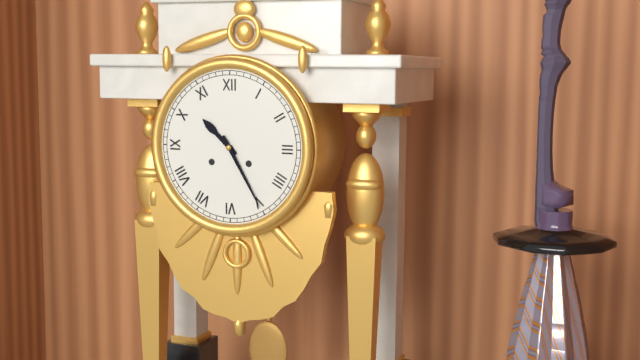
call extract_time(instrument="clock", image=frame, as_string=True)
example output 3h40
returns 10h25
